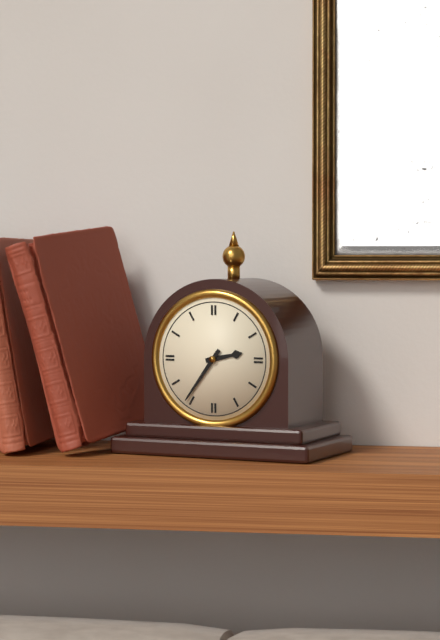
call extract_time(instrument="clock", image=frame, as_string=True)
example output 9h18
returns 2h36
